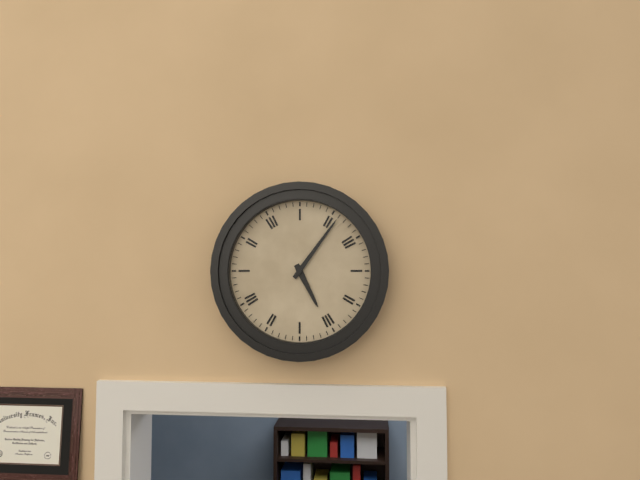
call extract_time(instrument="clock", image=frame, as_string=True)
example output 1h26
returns 5h06
